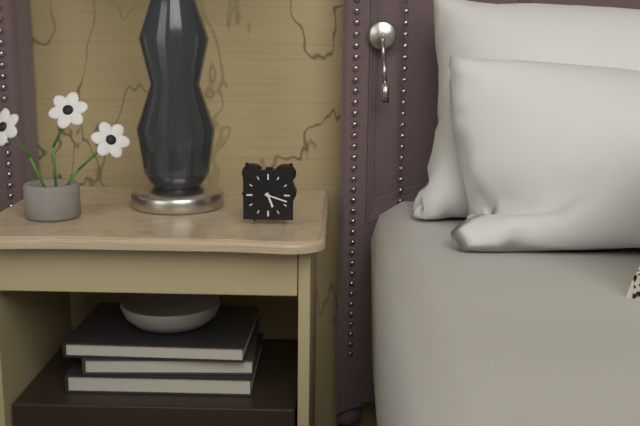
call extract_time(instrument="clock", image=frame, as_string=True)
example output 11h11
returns 5h18
